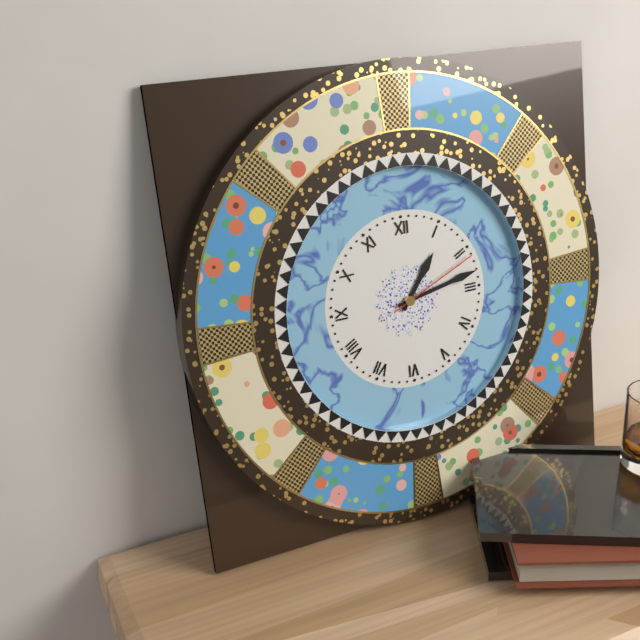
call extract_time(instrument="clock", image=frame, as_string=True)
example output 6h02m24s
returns 1h13m11s
